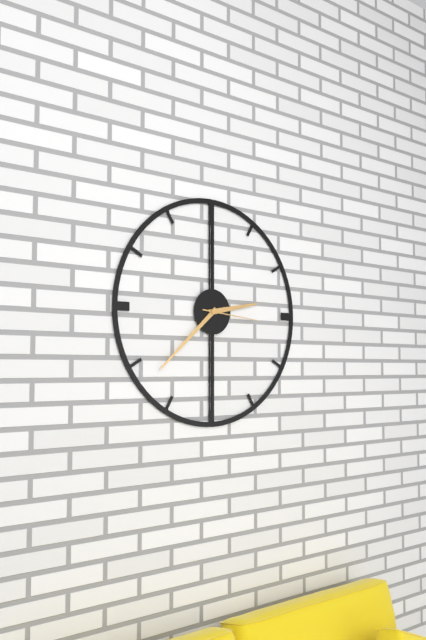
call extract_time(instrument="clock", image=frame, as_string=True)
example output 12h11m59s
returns 2h38m16s
